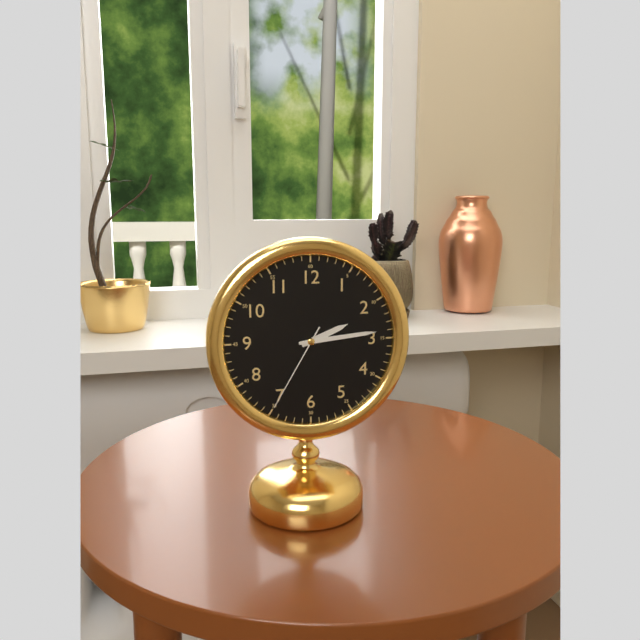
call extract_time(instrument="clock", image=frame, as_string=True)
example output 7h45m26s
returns 2h14m35s
